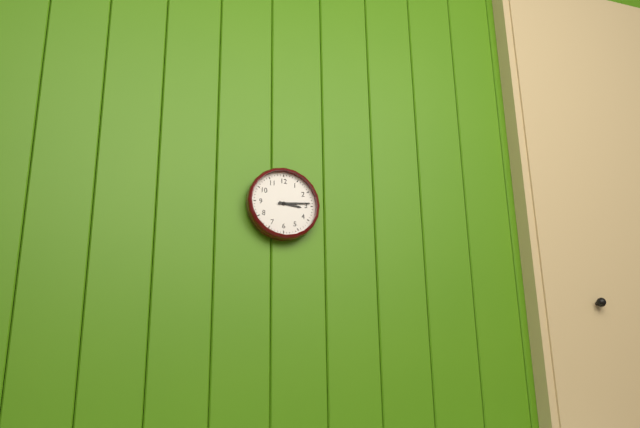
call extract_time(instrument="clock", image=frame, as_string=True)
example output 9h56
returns 3h14
